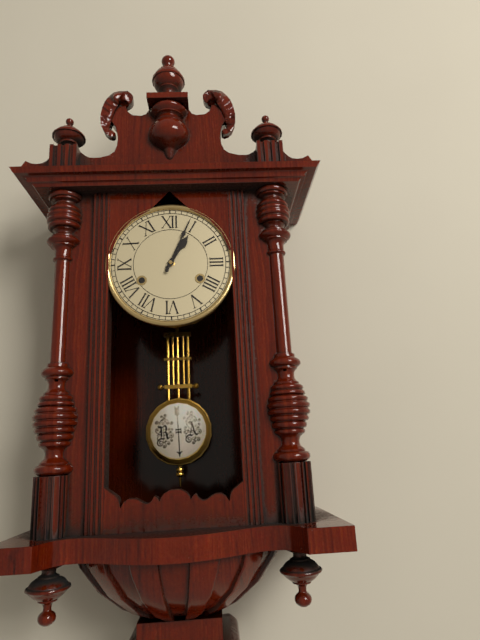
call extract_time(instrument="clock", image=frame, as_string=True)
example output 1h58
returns 1h04
